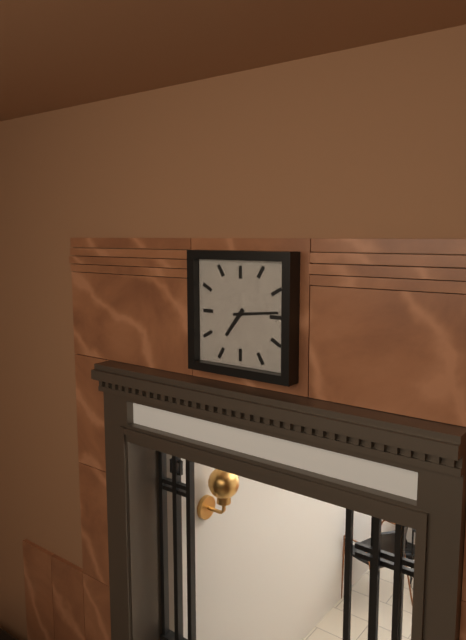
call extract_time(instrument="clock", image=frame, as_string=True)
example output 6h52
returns 7h14
